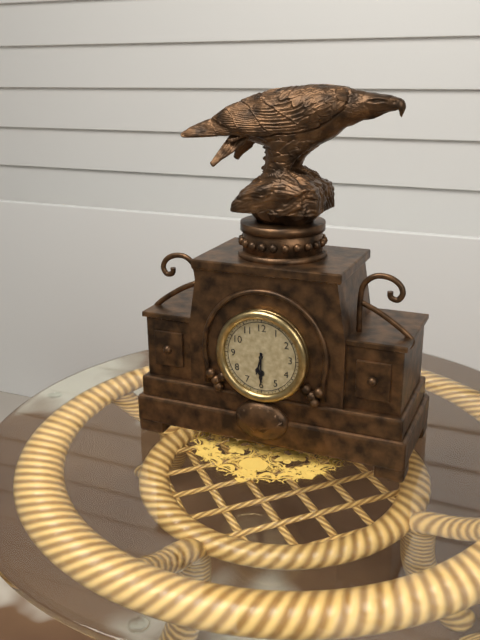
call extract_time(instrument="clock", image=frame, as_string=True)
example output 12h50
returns 6h30
